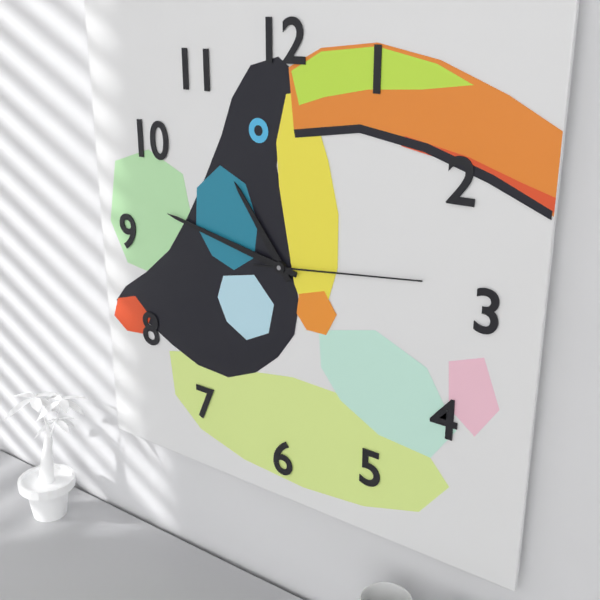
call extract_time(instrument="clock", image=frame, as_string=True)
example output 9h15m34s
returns 10h47m14s
